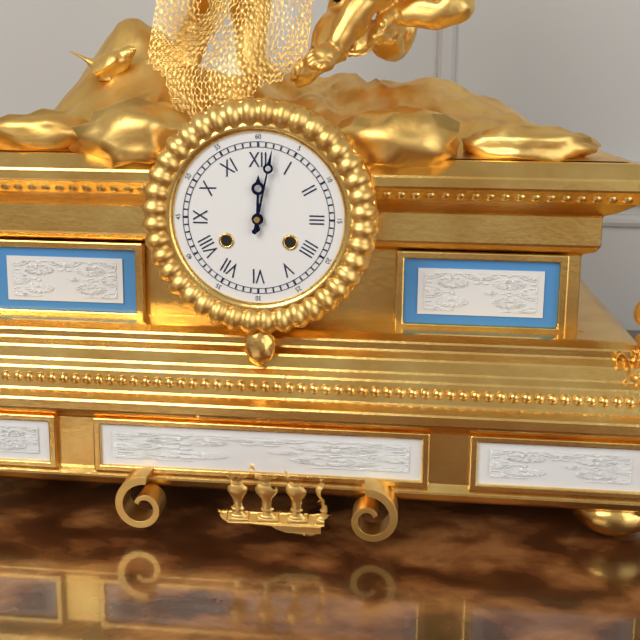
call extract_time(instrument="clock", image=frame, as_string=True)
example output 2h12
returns 12h02
